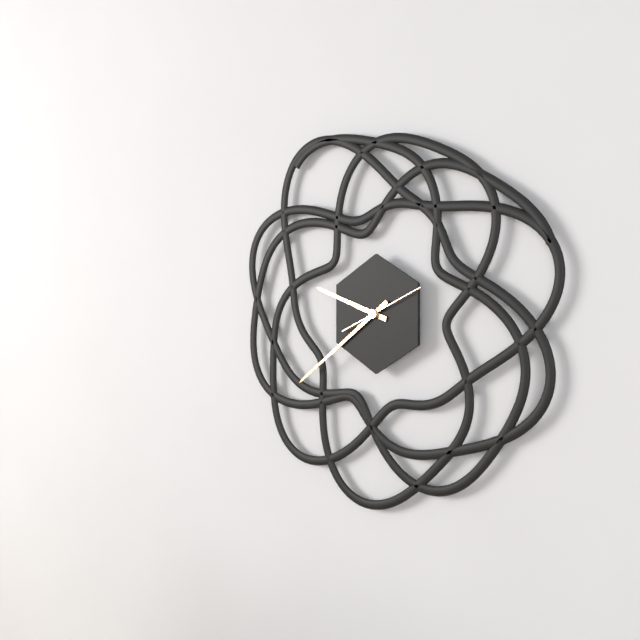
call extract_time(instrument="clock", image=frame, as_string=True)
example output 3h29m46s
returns 9h39m11s
